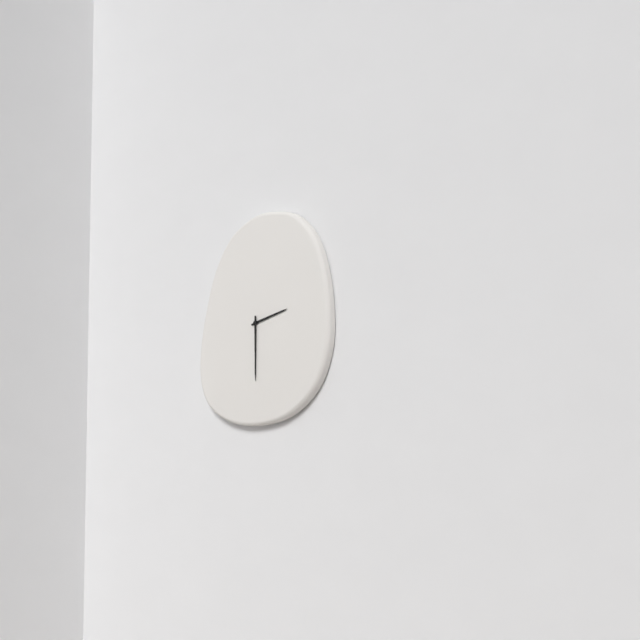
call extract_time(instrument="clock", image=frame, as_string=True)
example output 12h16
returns 2h30
